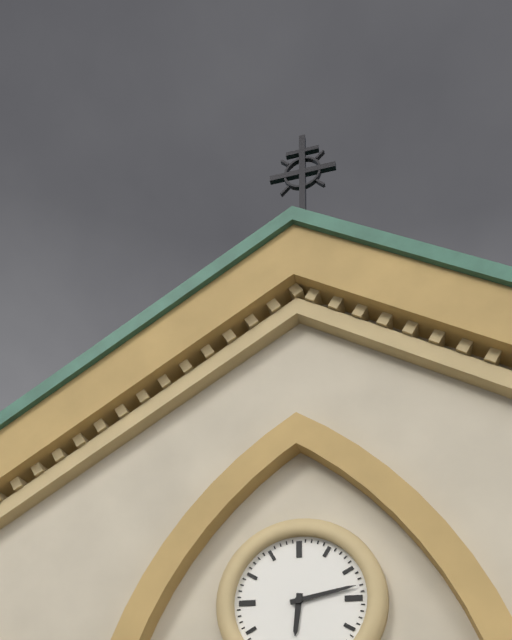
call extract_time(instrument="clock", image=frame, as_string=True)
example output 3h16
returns 6h13
